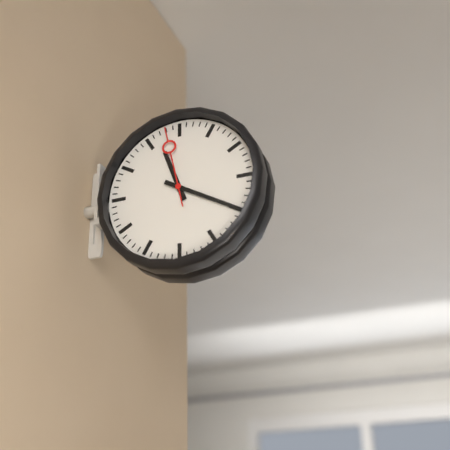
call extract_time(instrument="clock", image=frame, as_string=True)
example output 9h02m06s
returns 11h20m58s
